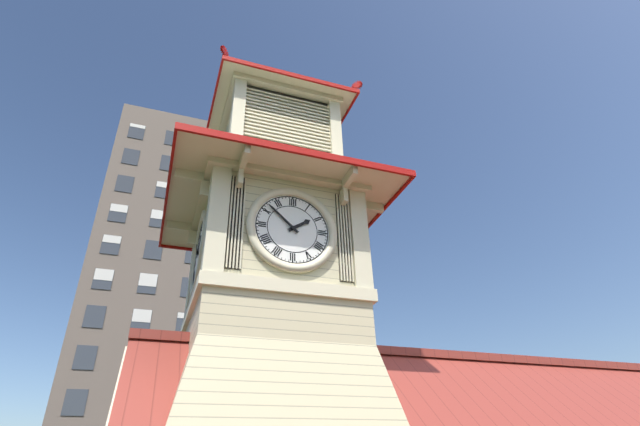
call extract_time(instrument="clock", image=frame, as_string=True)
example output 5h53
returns 1h52
